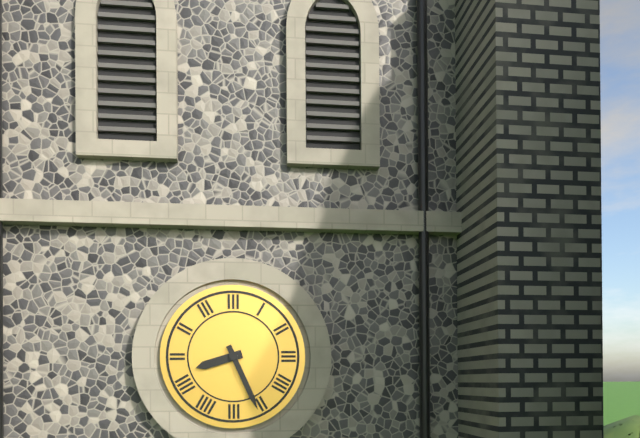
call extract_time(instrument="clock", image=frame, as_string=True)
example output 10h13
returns 8h26
